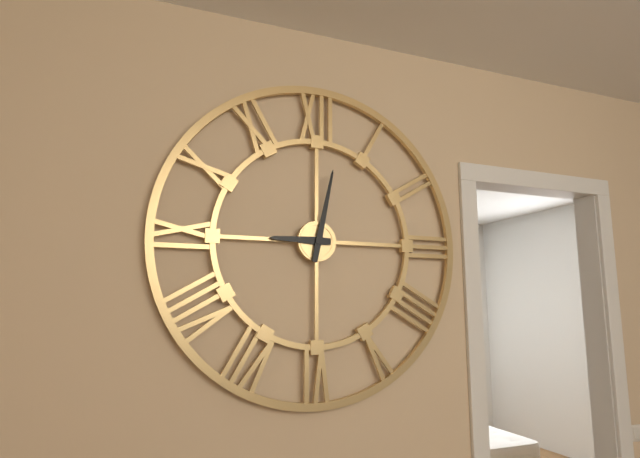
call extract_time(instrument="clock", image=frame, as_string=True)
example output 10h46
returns 9h02
